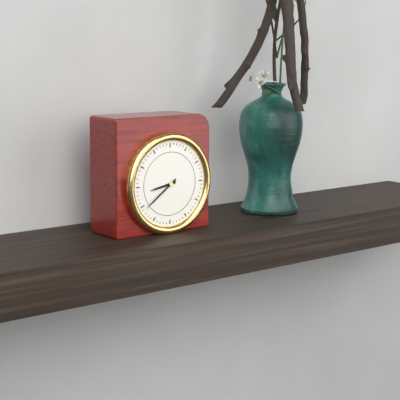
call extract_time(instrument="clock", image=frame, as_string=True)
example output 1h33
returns 8h39
